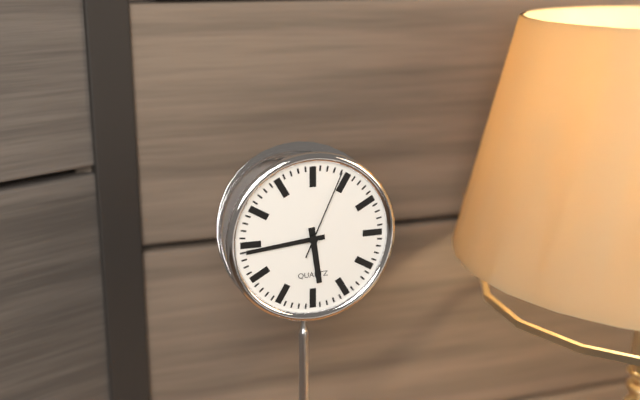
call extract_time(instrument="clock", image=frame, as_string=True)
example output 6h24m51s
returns 5h44m04s
